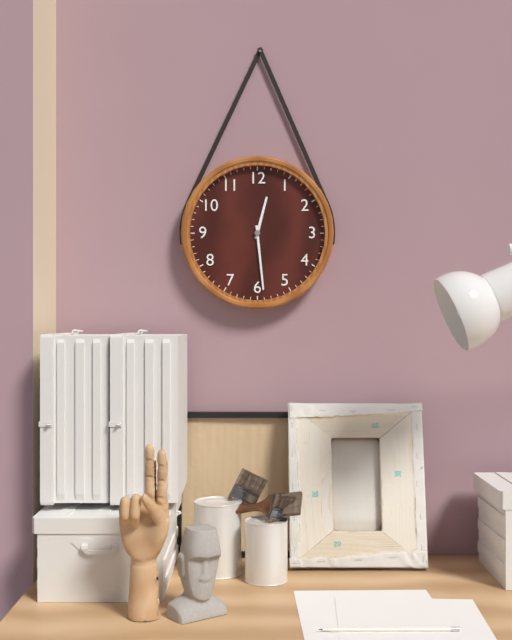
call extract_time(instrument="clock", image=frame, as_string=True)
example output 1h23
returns 12h29
